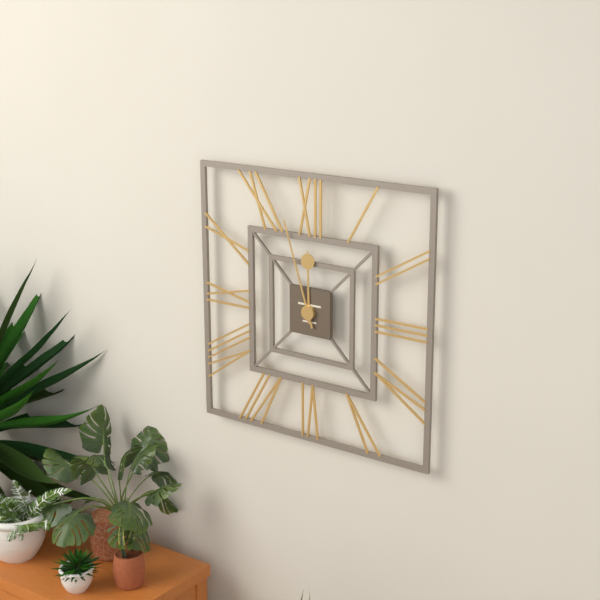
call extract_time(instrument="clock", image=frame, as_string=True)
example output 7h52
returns 11h57
